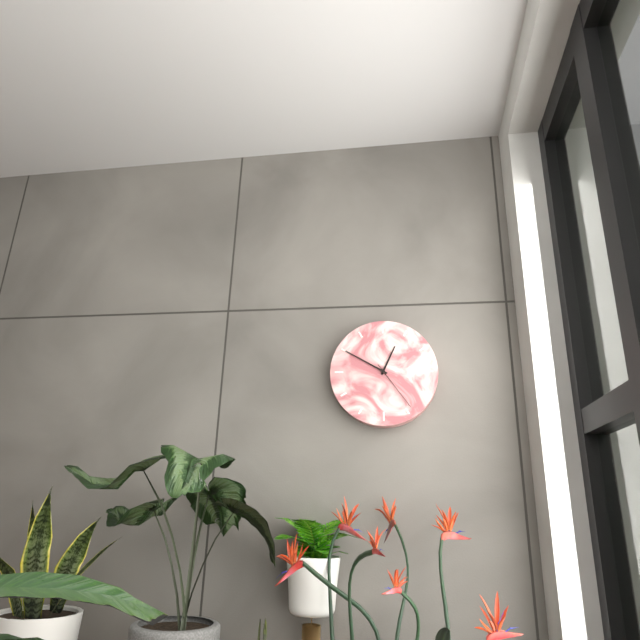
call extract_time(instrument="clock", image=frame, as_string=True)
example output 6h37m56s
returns 12h50m24s
